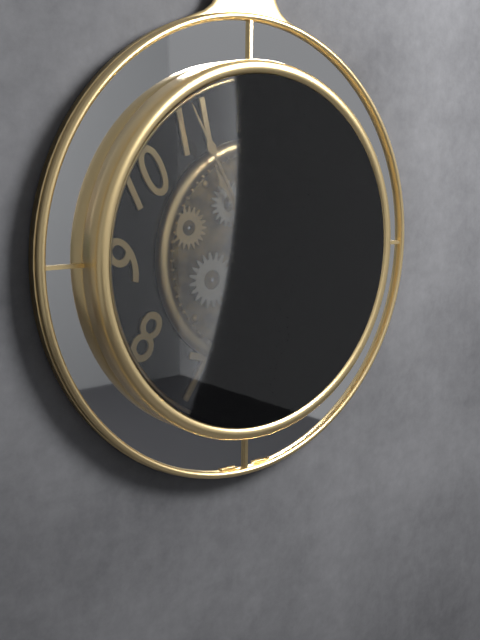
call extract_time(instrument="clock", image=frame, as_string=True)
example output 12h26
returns 10h55
